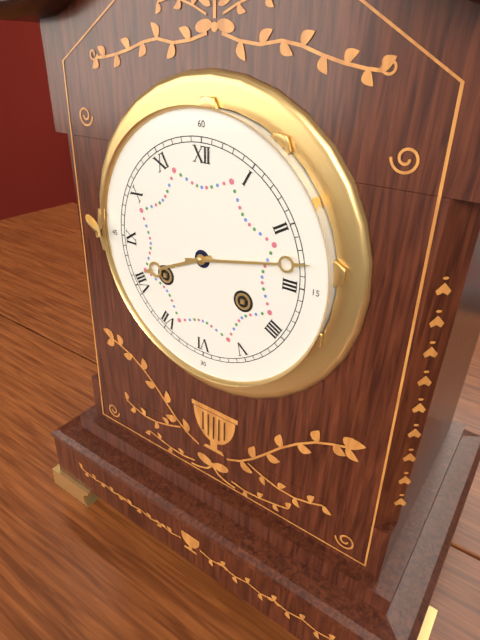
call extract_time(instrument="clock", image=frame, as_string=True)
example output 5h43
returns 8h13
